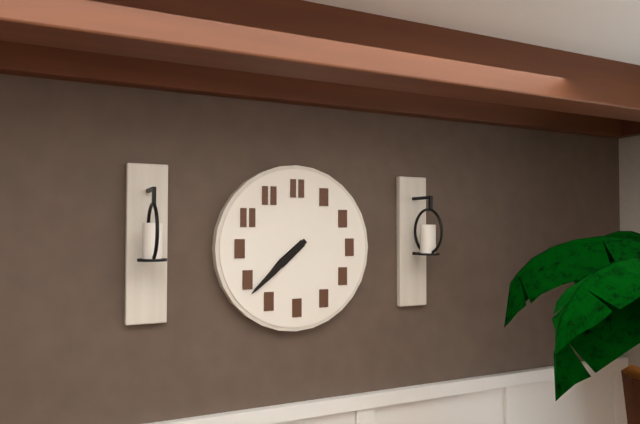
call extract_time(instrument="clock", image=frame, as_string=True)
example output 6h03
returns 7h38
